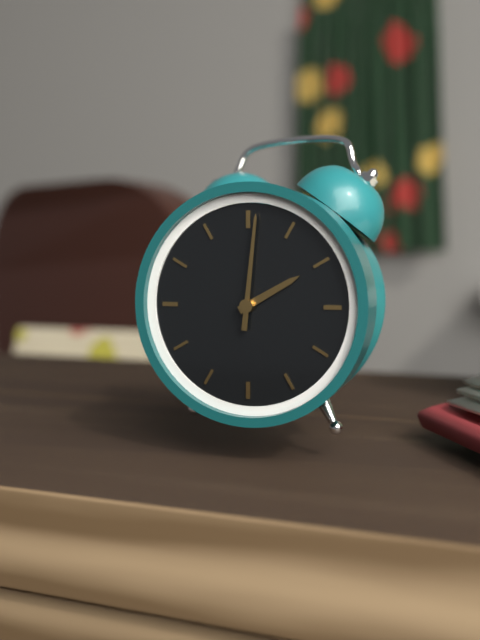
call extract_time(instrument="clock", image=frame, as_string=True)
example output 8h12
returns 2h01
